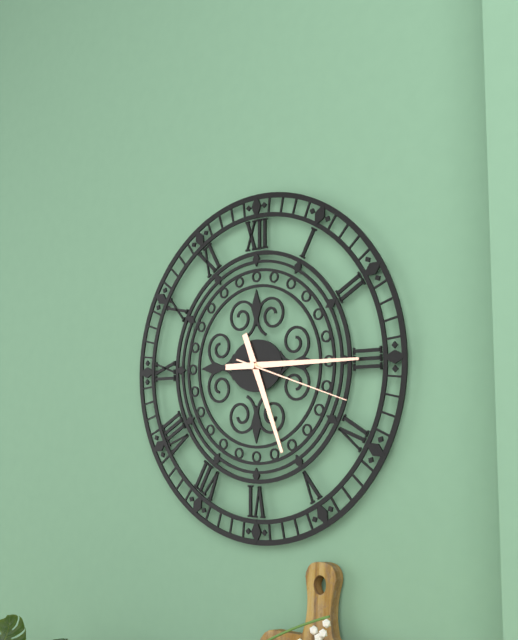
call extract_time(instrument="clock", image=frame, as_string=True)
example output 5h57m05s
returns 5h15m18s
